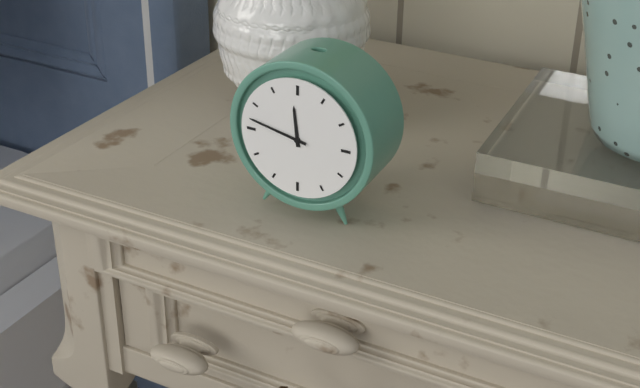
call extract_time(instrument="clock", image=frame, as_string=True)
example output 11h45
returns 11h47
